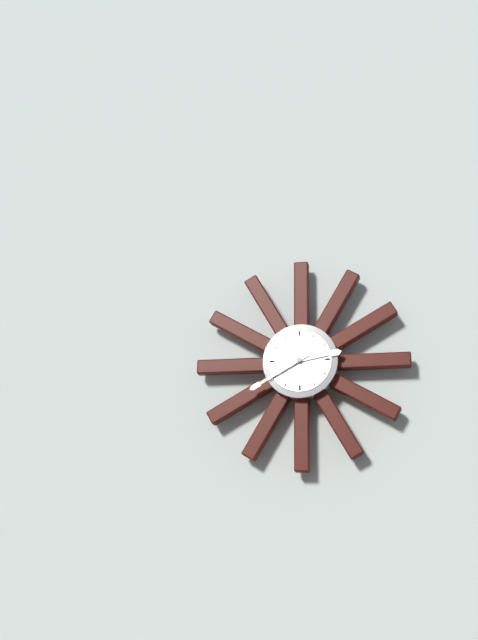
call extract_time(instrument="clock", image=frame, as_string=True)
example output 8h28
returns 2h40
